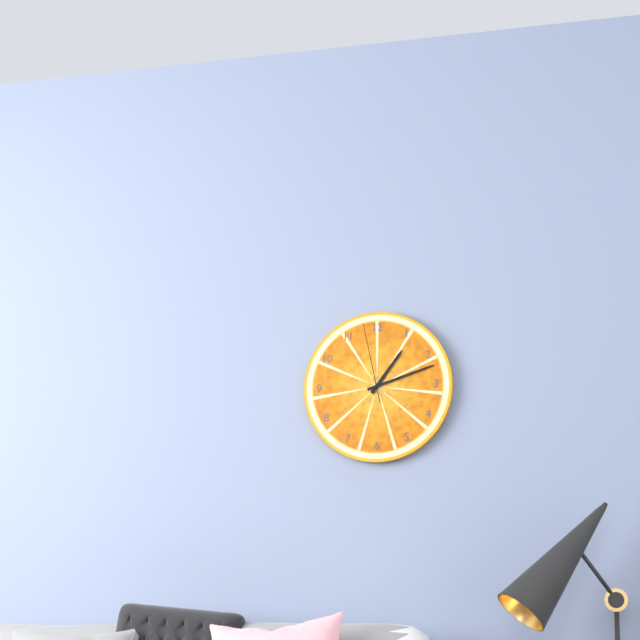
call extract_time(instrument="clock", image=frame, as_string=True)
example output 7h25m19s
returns 1h12m58s
